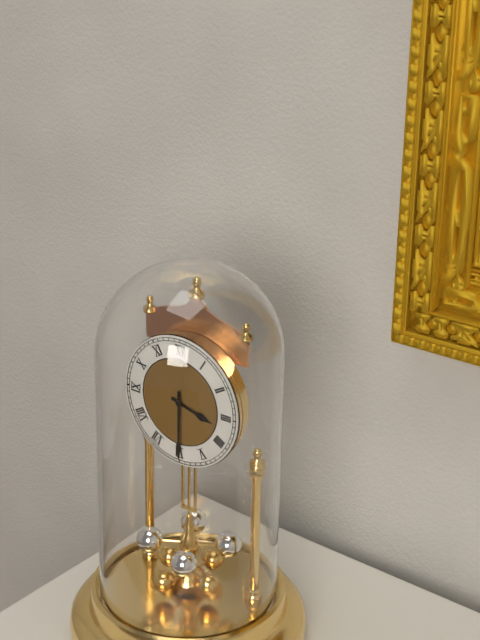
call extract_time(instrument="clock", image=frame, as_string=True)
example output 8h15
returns 3h30
